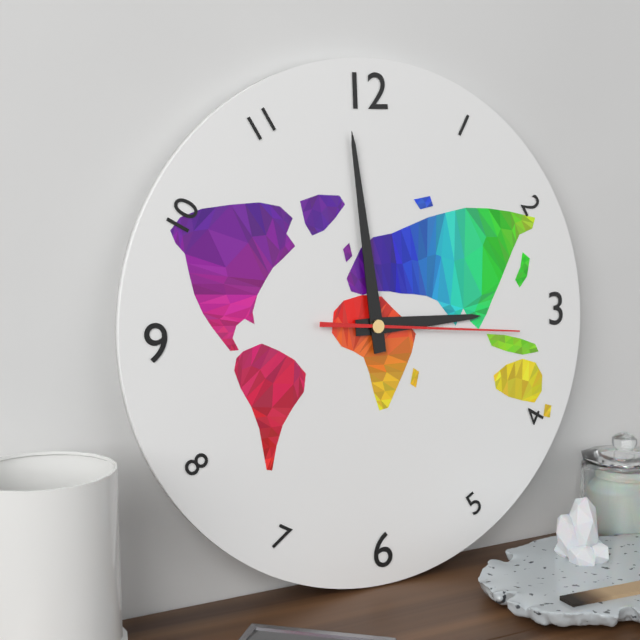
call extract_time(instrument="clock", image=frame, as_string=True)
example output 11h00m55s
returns 2h59m16s
